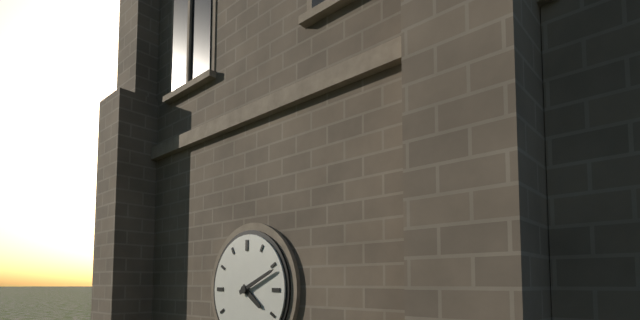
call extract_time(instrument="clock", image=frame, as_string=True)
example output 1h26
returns 4h11
